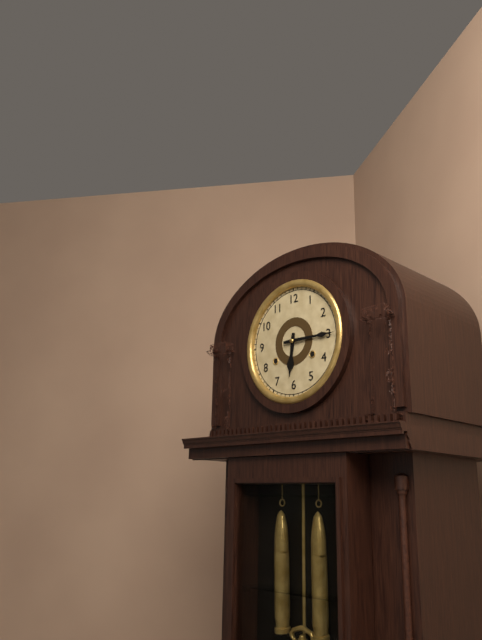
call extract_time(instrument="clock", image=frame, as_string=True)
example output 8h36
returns 6h15
